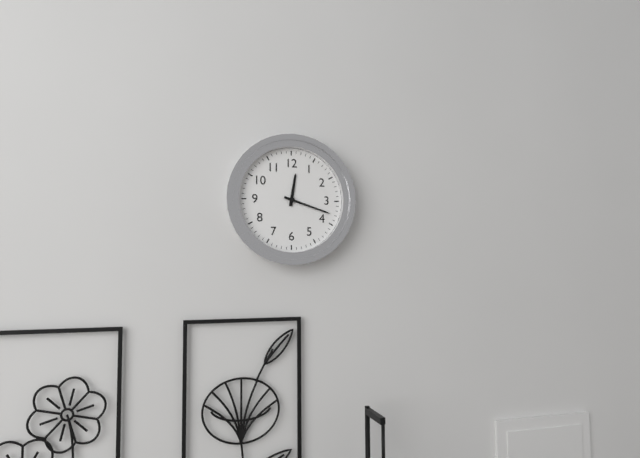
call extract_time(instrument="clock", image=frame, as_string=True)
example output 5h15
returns 12h18
